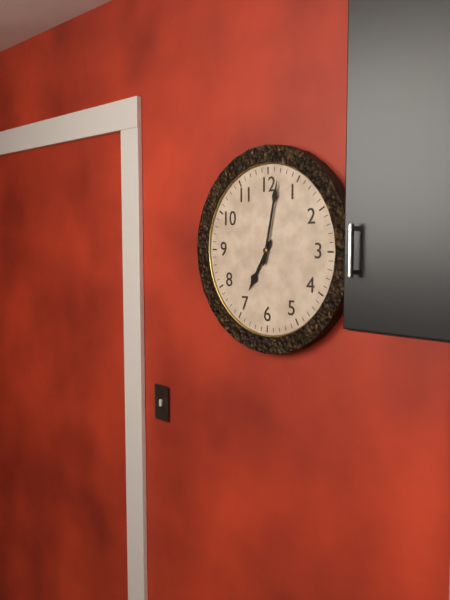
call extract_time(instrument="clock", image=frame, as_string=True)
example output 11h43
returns 7h02
